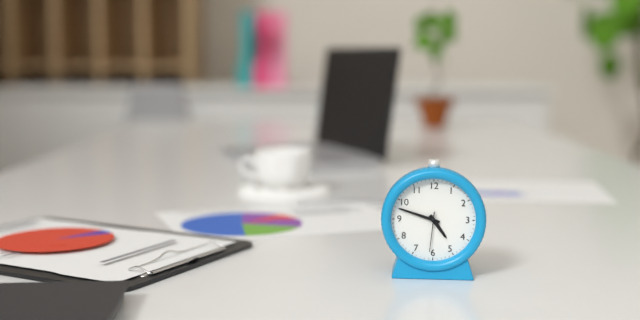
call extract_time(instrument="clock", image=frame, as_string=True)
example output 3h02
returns 4h48
